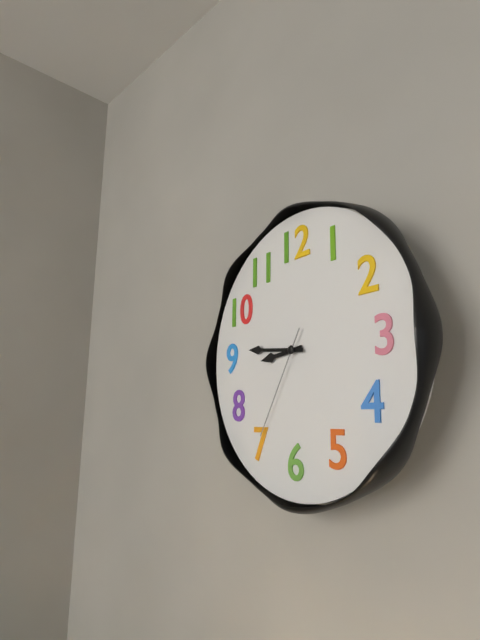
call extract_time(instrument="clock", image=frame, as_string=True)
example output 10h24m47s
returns 8h46m35s
